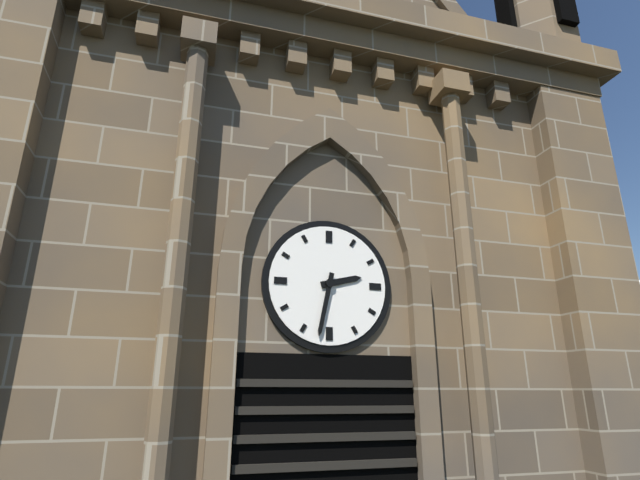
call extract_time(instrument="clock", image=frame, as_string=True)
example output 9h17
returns 2h32
